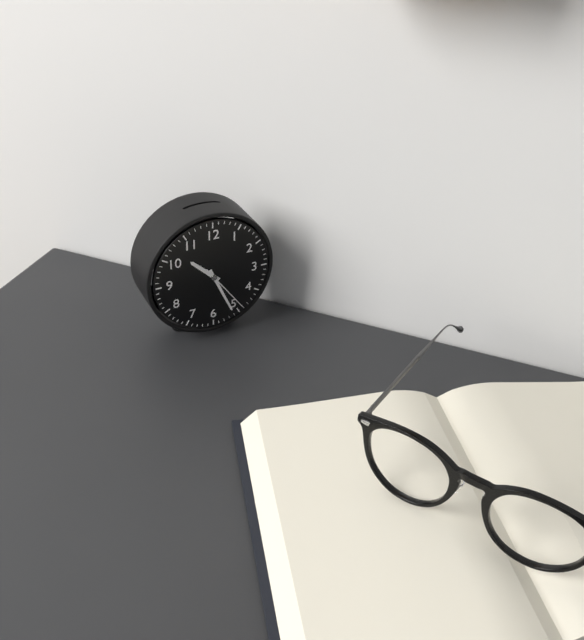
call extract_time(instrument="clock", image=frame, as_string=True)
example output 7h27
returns 10h26
